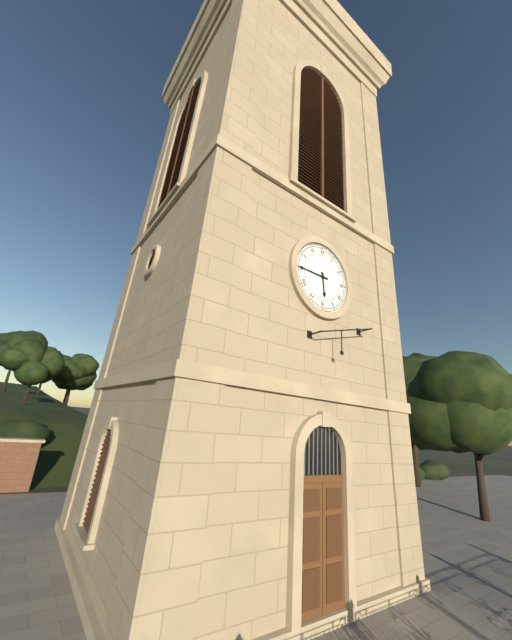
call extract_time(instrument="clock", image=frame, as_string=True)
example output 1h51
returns 5h45
